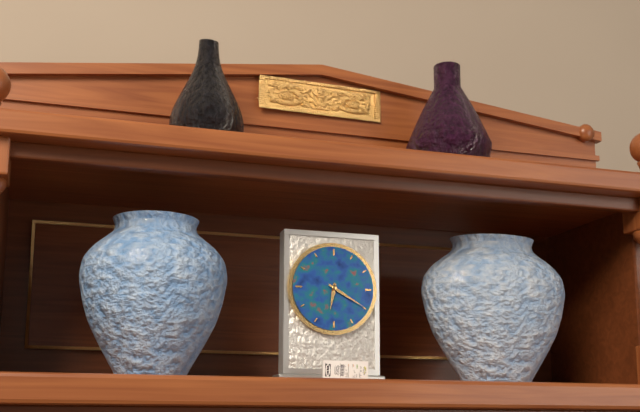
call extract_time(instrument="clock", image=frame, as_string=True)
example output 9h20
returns 6h20
